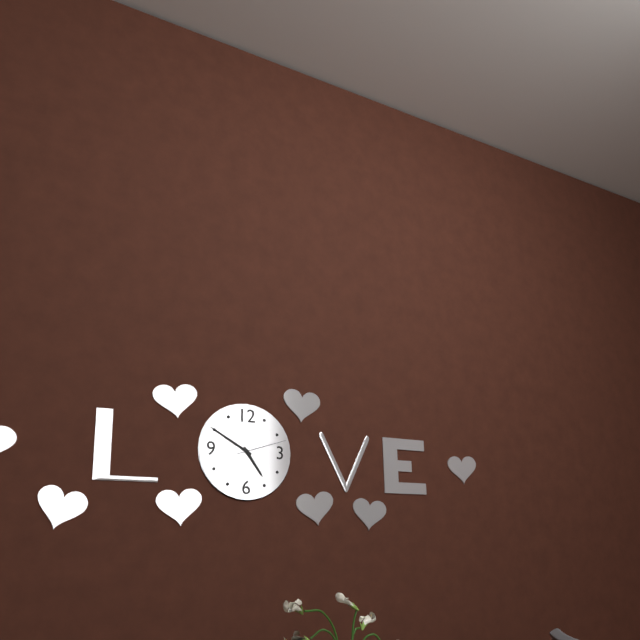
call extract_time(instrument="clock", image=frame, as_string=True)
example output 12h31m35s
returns 4h50m12s
